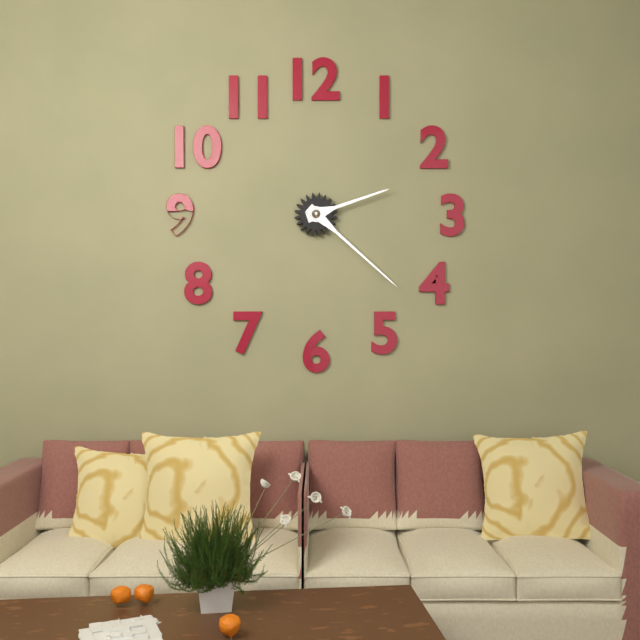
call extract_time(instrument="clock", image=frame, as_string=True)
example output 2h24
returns 2h22
